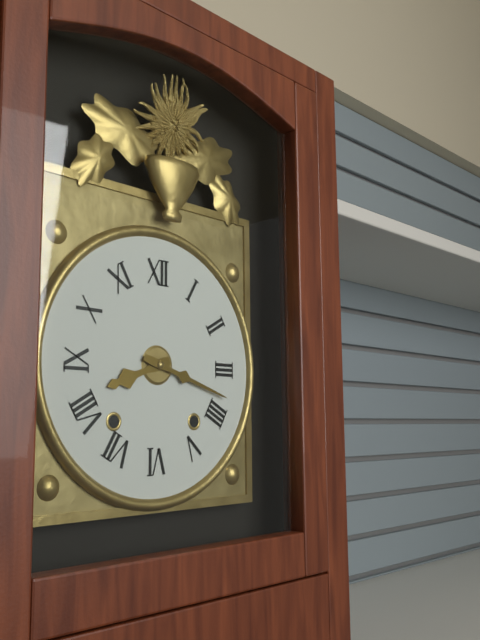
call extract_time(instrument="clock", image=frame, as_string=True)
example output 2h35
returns 8h18
